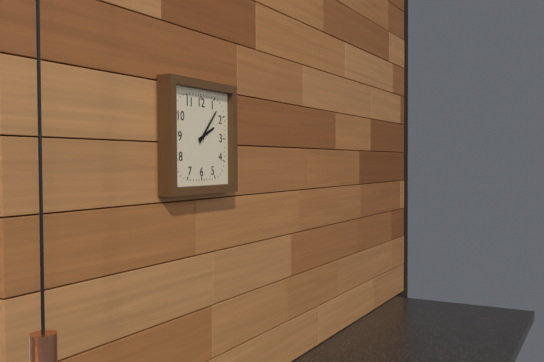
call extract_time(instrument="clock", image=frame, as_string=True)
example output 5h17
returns 2h07
